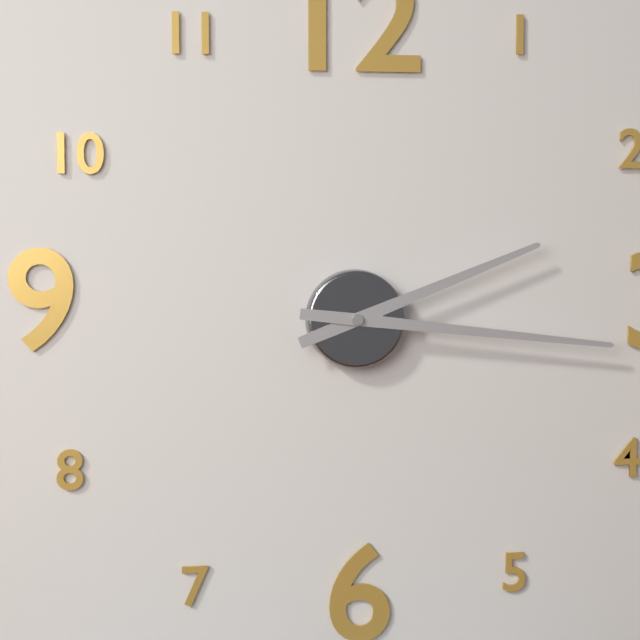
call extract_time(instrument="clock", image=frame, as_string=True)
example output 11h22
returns 2h16
